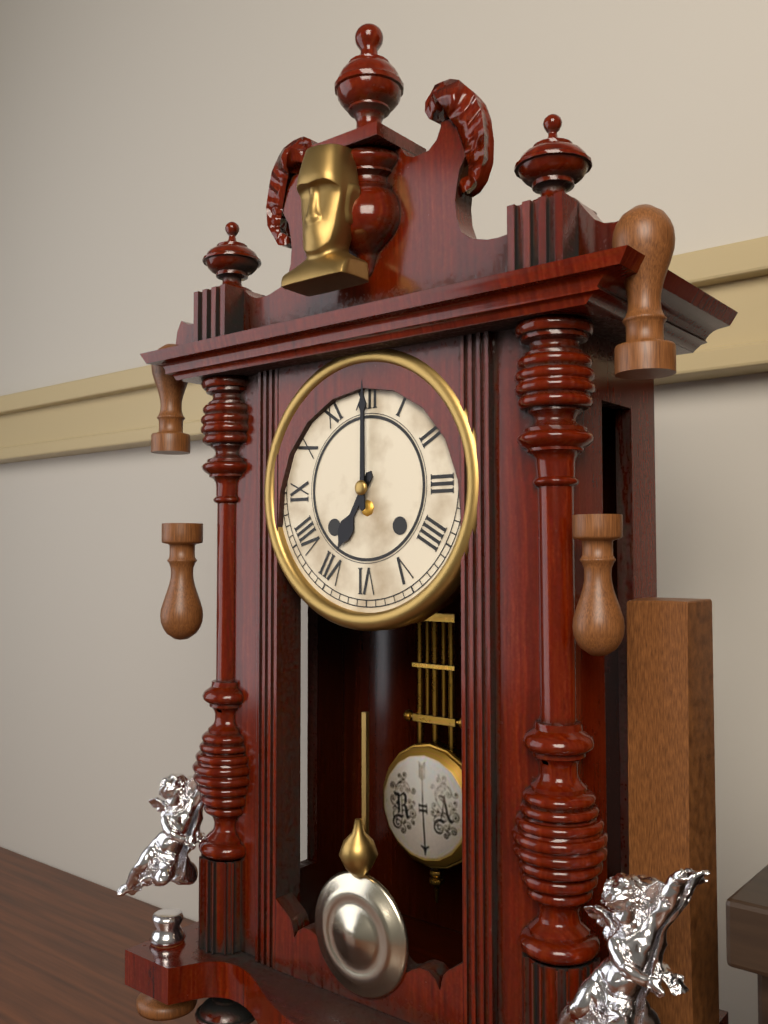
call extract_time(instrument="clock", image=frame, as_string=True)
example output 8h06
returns 7h00
